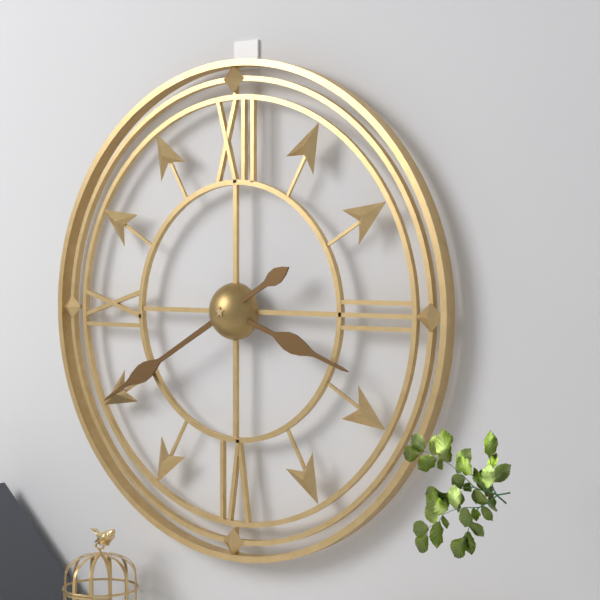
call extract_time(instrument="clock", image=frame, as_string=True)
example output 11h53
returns 3h40
